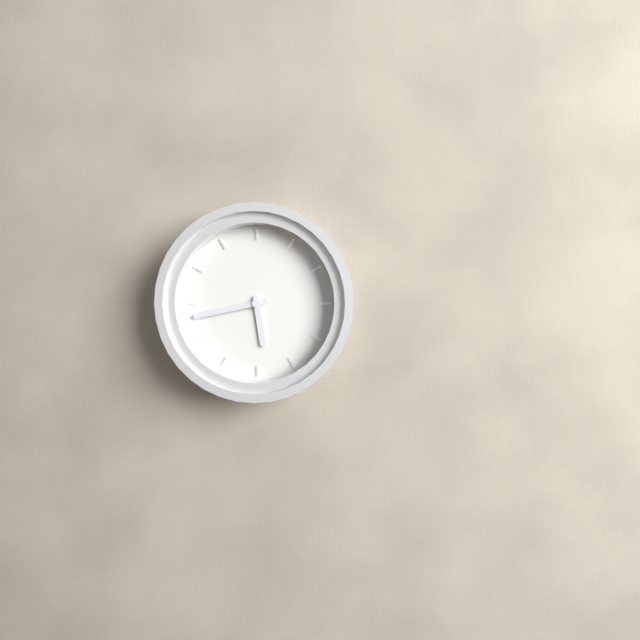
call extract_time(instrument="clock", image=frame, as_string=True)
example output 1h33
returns 5h43
